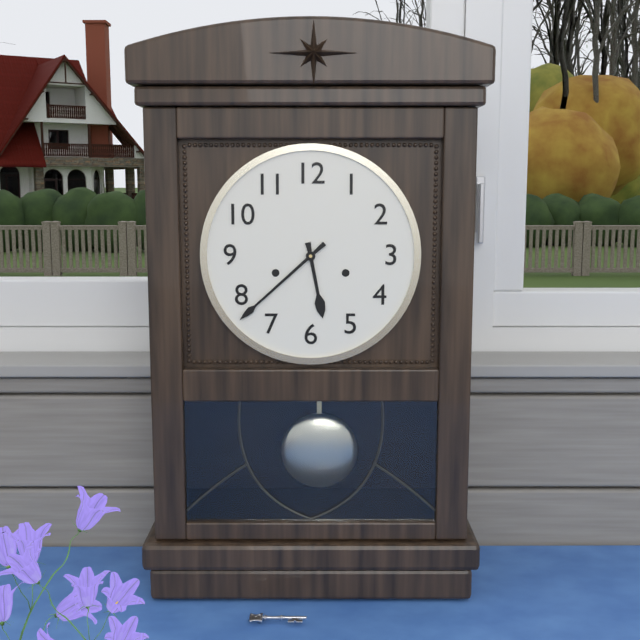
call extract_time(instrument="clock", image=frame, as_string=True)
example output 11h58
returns 5h38
